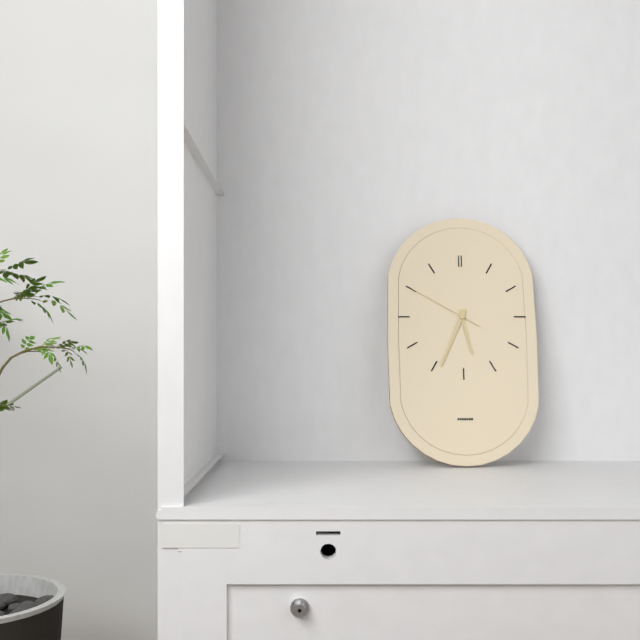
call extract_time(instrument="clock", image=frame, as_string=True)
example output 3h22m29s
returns 5h34m50s
